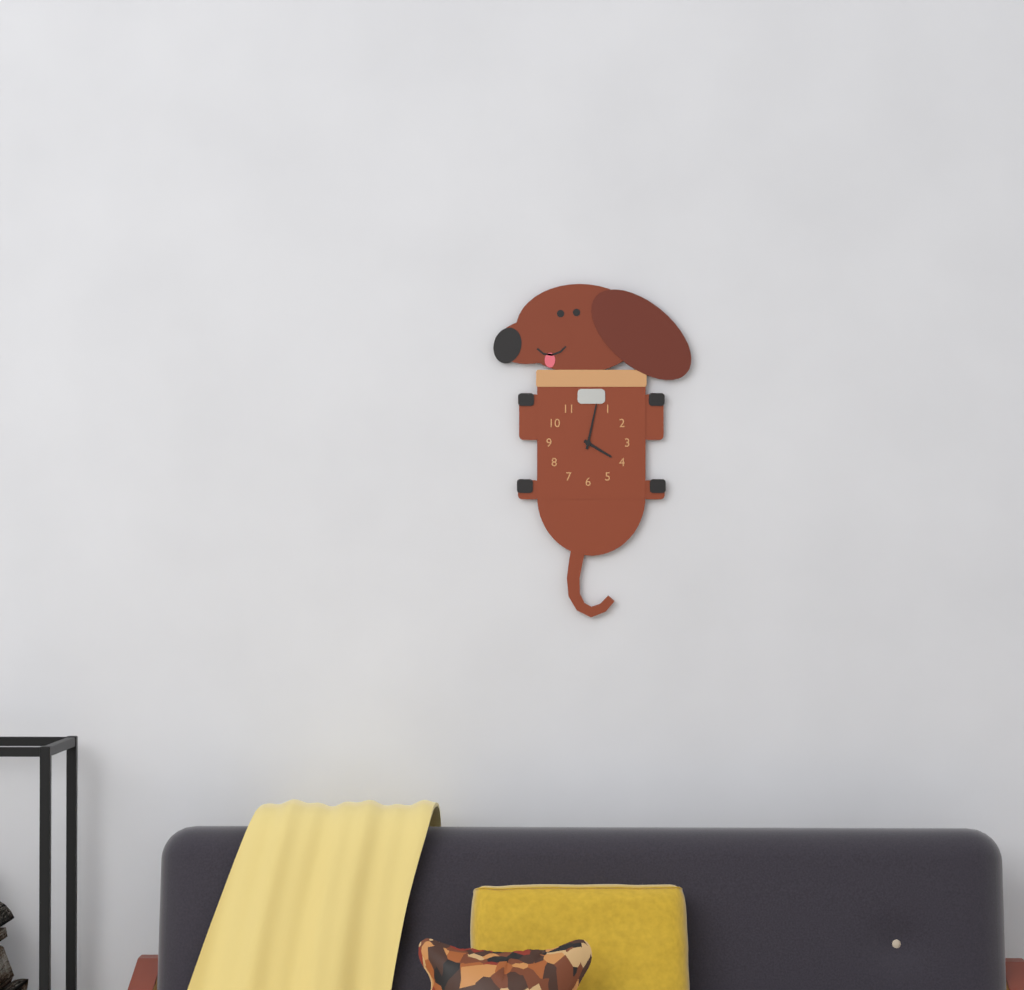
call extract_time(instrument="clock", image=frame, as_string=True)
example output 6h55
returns 4h02
